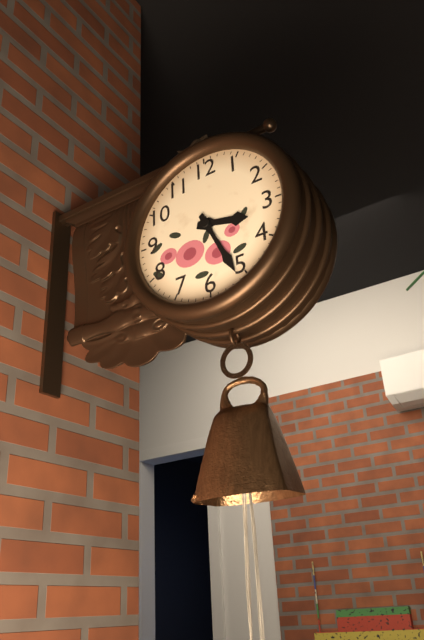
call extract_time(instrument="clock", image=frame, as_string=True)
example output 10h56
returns 3h26
